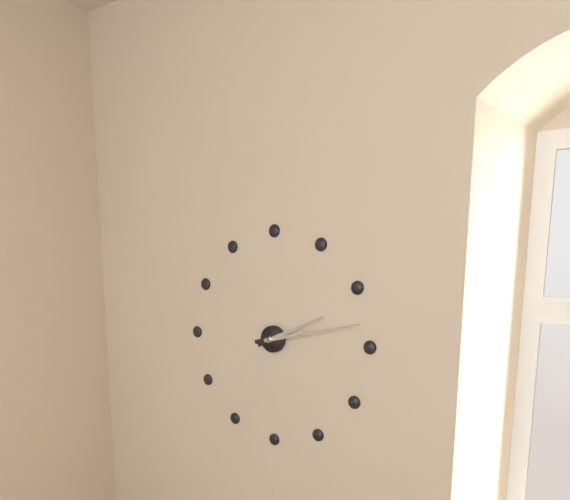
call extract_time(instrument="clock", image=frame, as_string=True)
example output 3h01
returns 2h13
